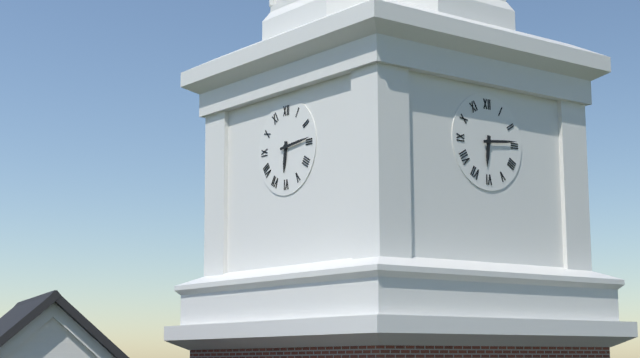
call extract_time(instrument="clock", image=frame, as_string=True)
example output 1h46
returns 6h14
